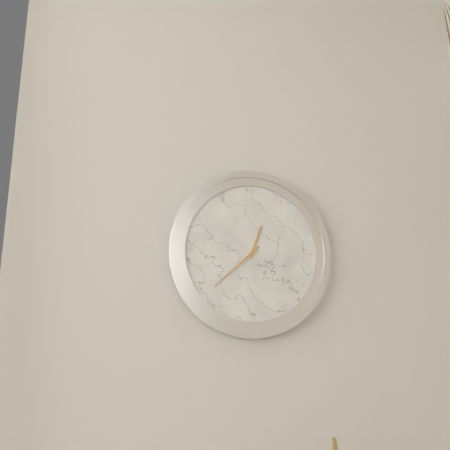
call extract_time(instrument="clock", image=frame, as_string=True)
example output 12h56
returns 12h38
